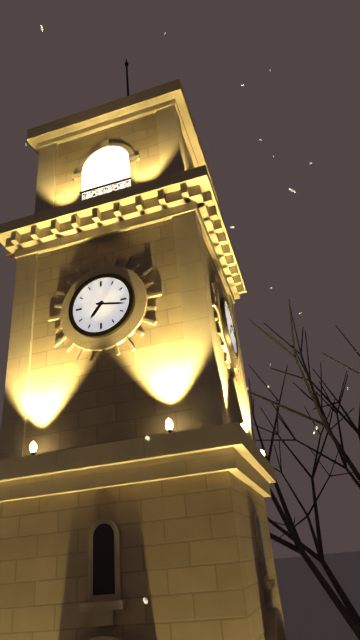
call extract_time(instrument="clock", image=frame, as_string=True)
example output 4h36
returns 7h17
